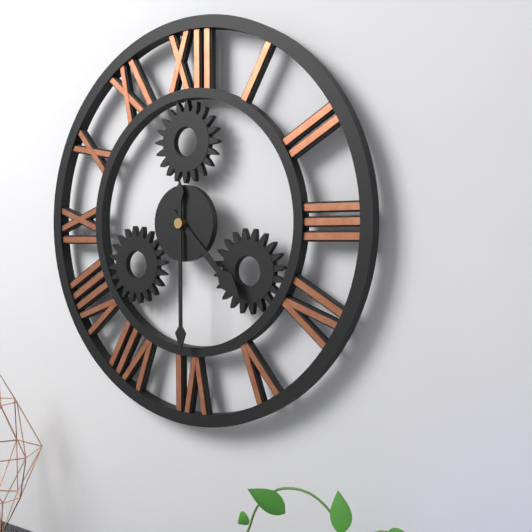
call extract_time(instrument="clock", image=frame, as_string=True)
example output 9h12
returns 4h30
